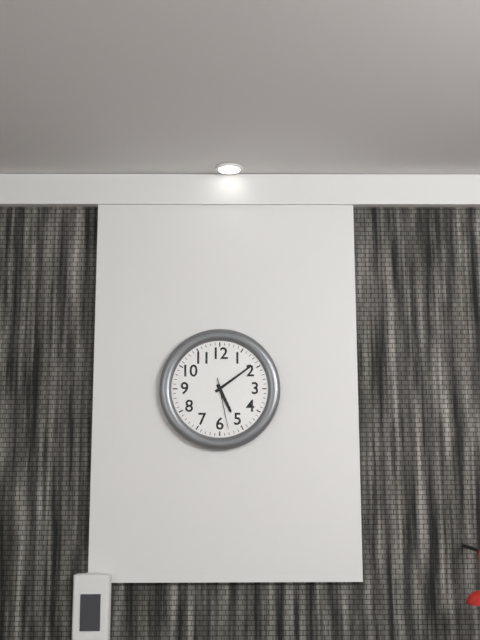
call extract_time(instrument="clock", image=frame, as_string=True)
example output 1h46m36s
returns 5h09m28s
